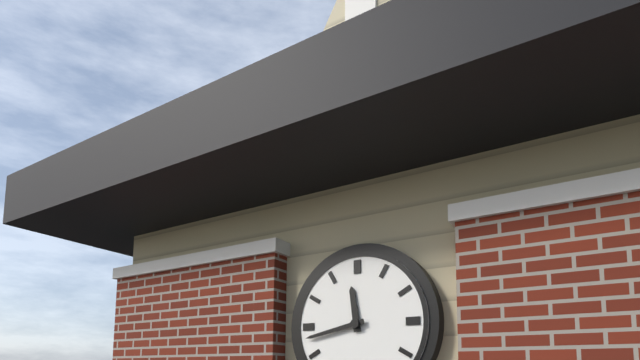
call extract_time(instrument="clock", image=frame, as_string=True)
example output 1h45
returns 11h43
